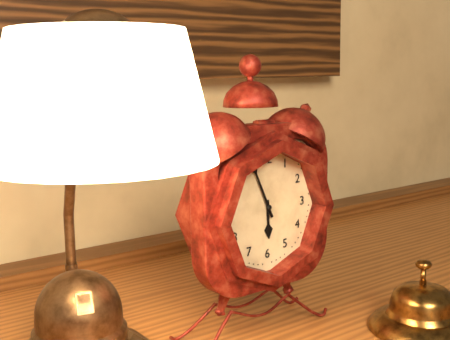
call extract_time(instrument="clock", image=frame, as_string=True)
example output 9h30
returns 5h56
